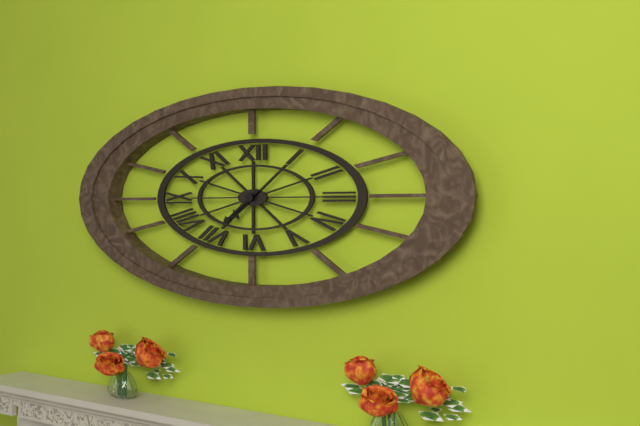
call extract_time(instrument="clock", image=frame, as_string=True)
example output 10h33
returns 7h39
